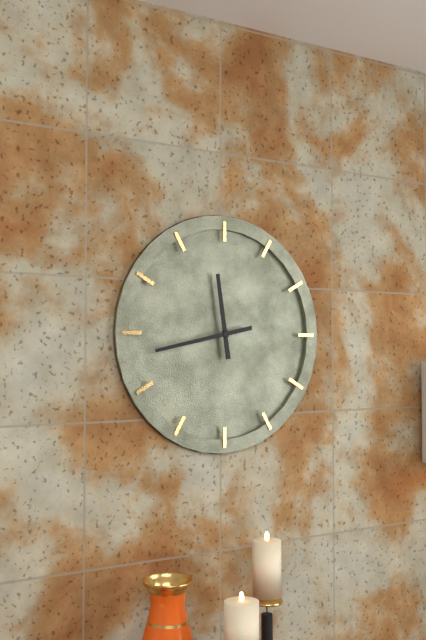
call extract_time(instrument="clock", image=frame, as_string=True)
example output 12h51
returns 11h43
